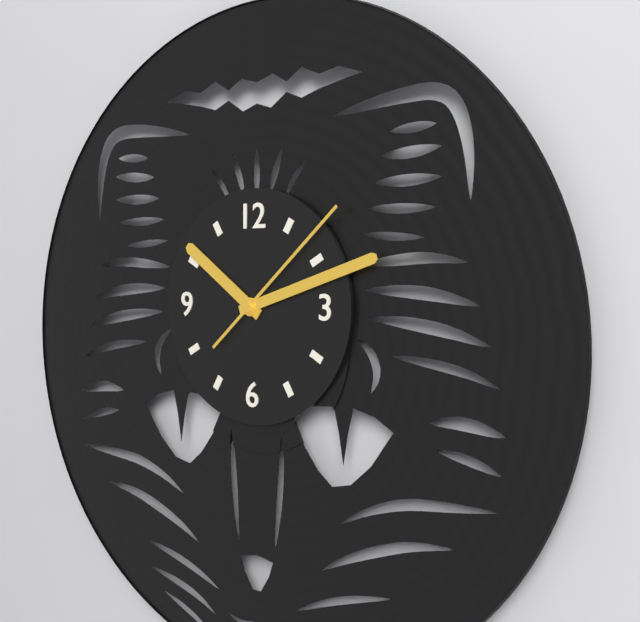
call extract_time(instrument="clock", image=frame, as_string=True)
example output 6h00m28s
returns 10h12m08s
